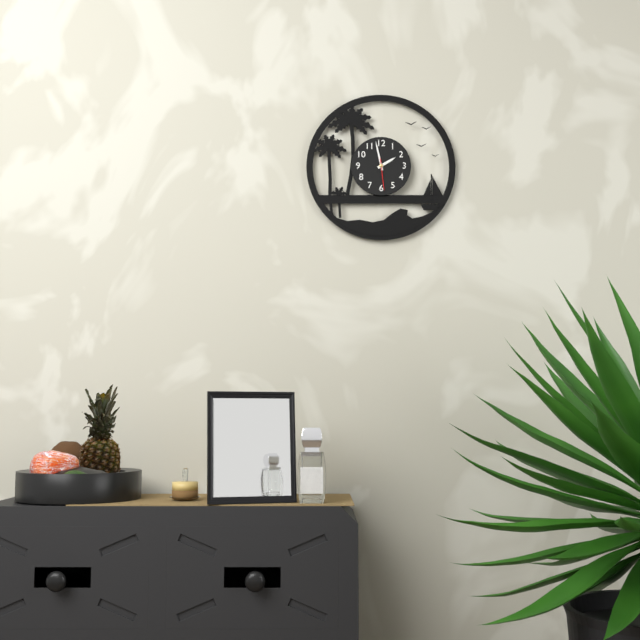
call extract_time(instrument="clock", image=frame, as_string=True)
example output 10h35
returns 1h58
